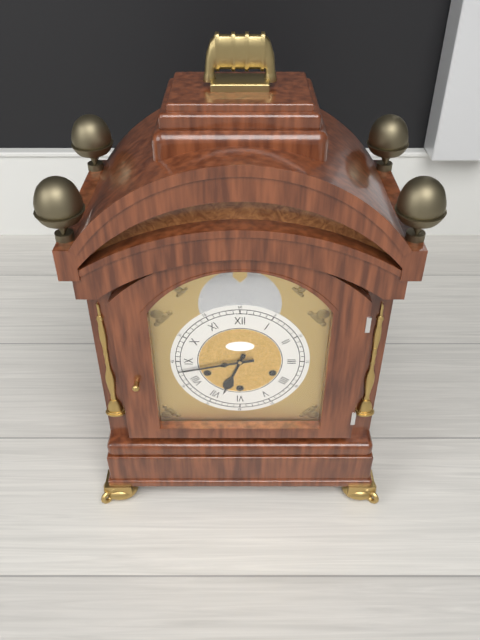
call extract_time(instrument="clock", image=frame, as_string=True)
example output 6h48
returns 6h43
